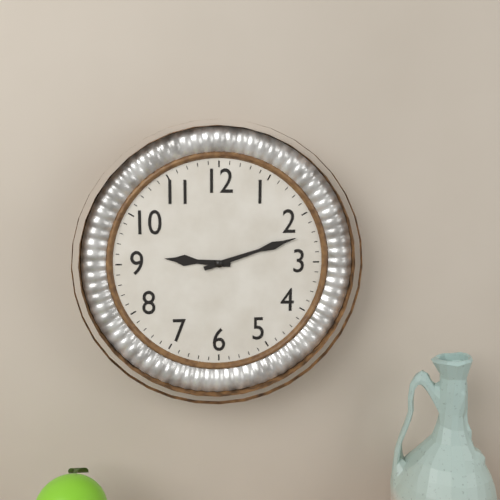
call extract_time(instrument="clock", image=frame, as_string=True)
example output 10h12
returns 9h12
